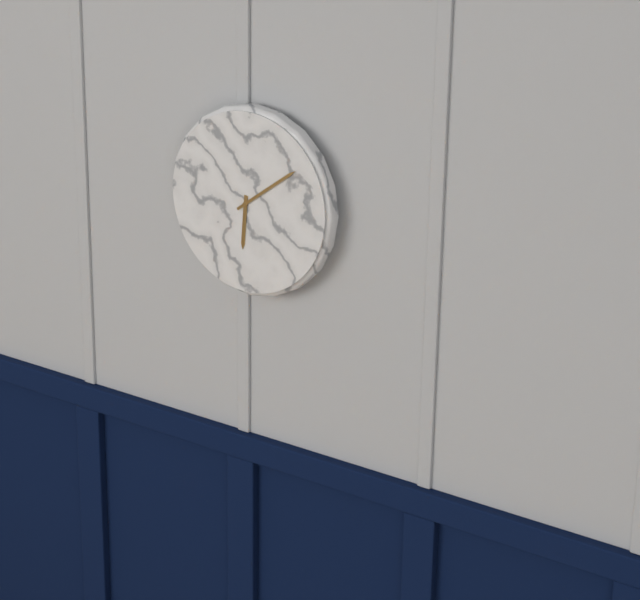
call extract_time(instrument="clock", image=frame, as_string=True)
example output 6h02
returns 6h09
